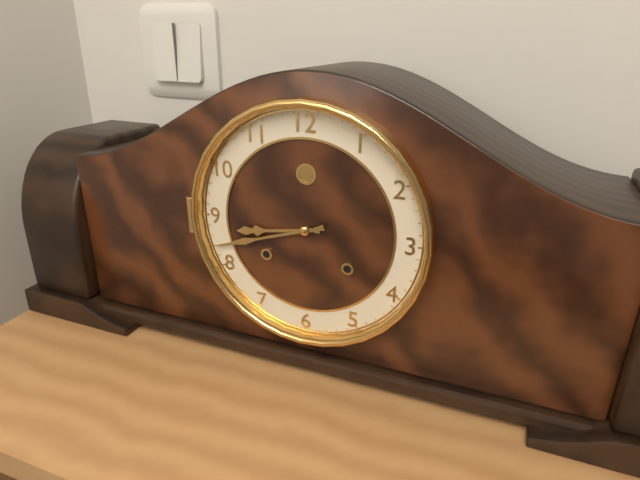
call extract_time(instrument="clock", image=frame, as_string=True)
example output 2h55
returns 8h42
